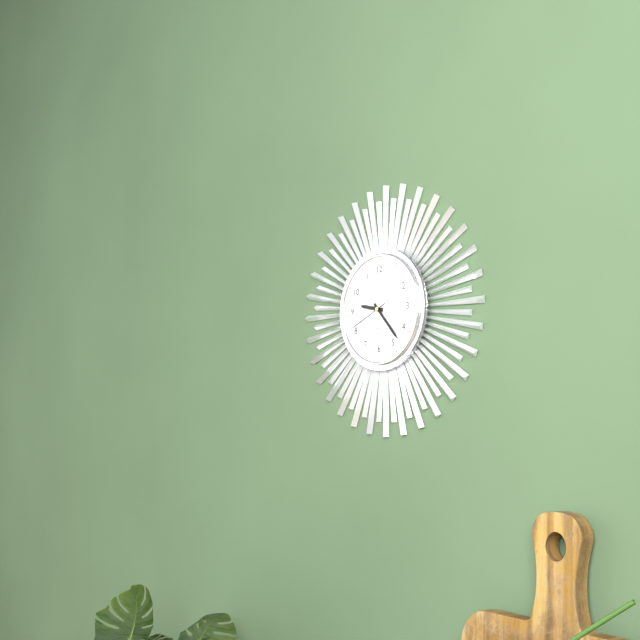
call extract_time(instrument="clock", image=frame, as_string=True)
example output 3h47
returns 9h23
